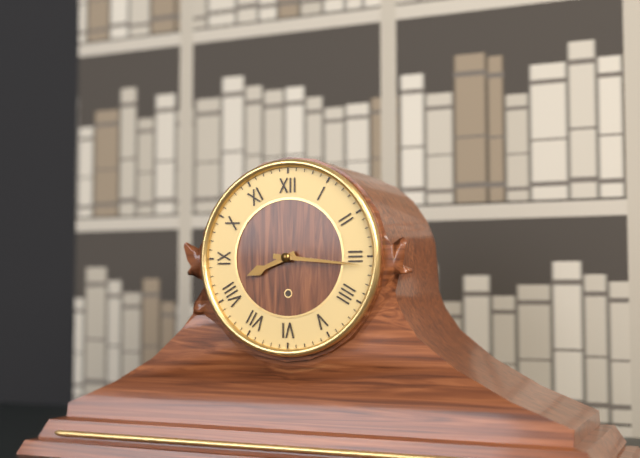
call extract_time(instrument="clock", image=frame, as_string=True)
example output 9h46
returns 8h16
